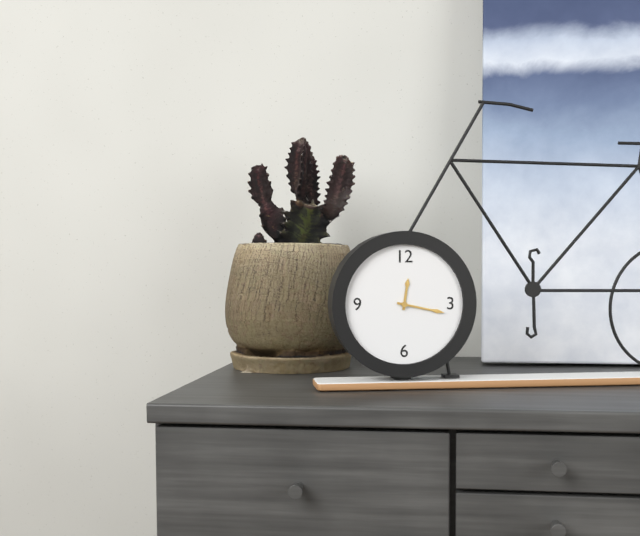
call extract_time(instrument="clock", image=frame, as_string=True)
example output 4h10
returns 12h17
